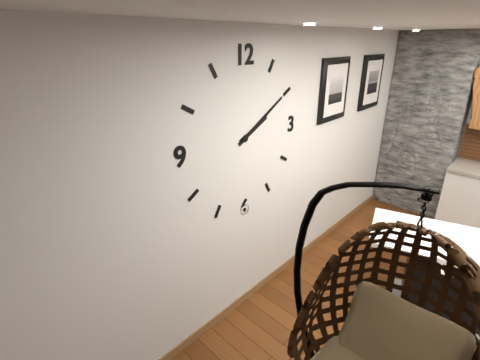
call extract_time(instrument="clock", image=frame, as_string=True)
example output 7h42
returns 2h10
